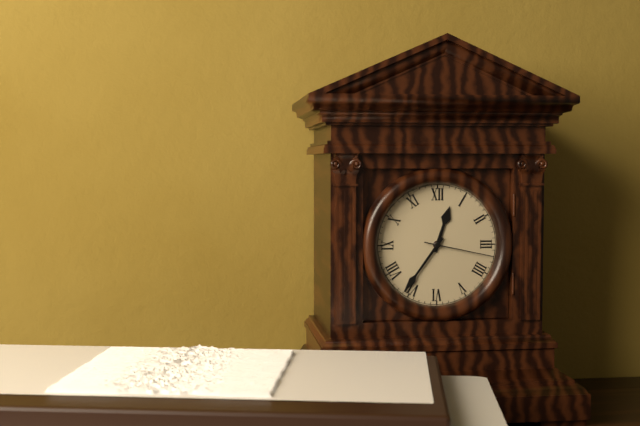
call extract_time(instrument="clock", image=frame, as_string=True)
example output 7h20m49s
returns 12h36m17s
